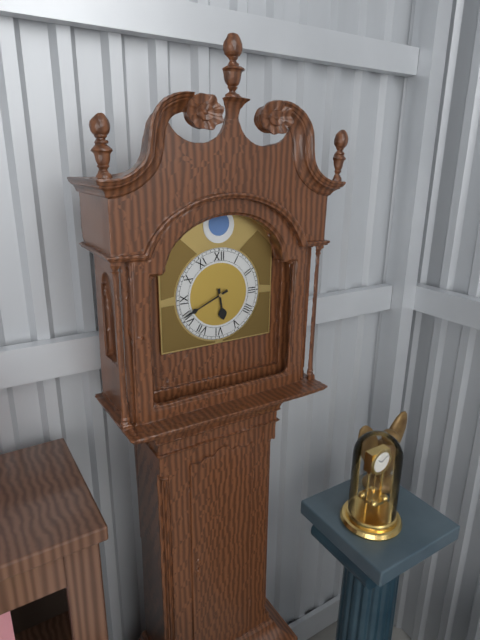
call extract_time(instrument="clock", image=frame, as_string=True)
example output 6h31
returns 5h41
